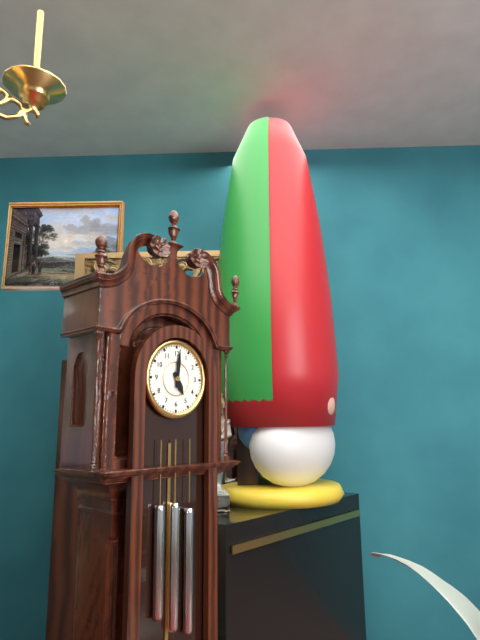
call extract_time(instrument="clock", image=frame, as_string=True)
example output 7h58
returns 5h01
